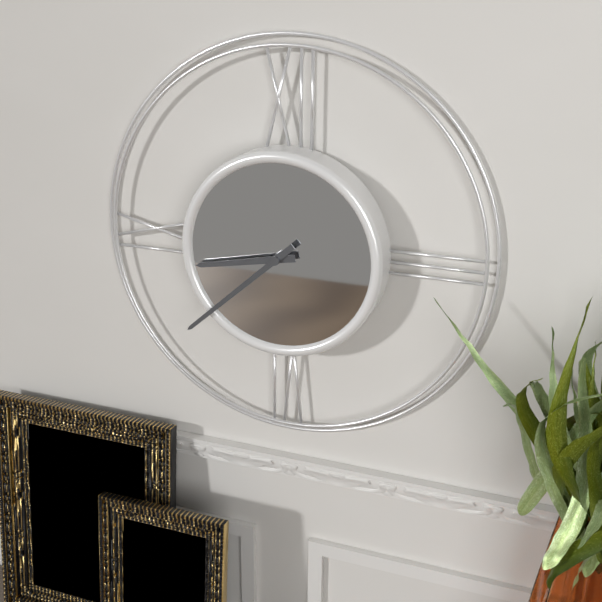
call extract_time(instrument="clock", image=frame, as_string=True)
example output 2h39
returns 8h38
